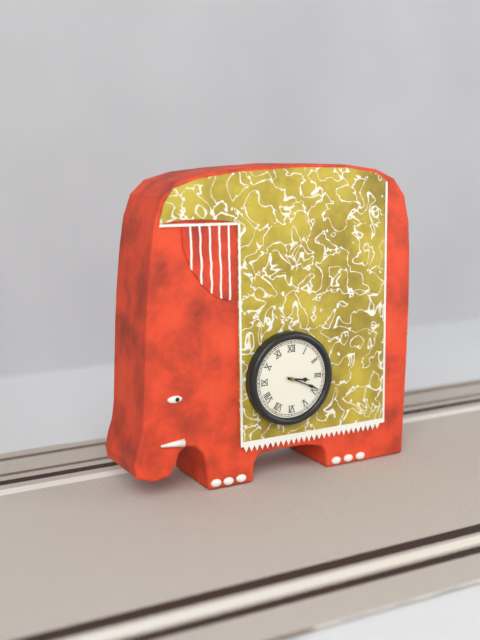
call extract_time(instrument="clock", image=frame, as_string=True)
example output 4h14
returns 3h19
